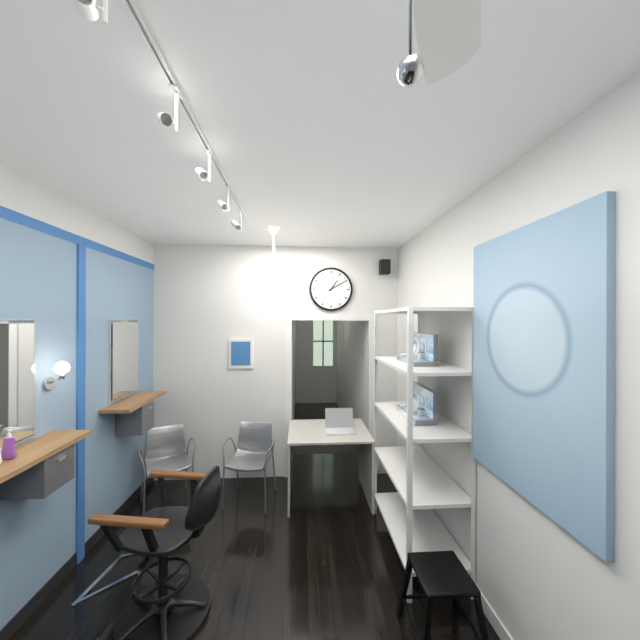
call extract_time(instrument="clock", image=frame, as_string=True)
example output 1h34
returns 1h10
